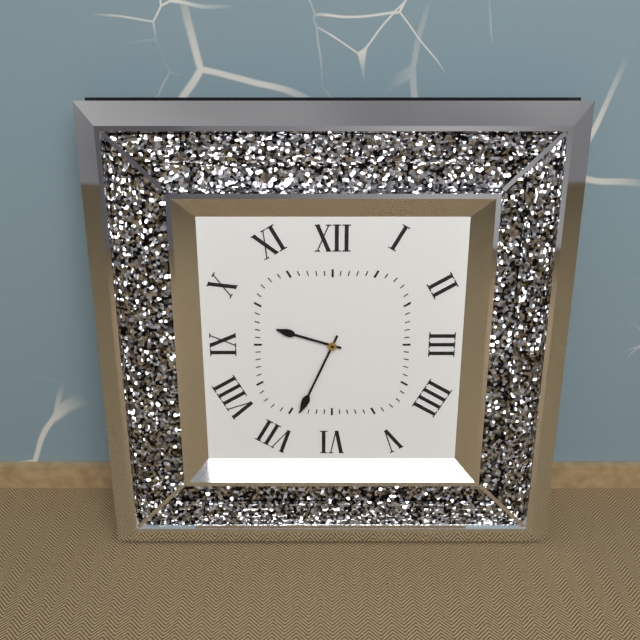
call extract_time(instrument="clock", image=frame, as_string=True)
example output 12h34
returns 9h34
